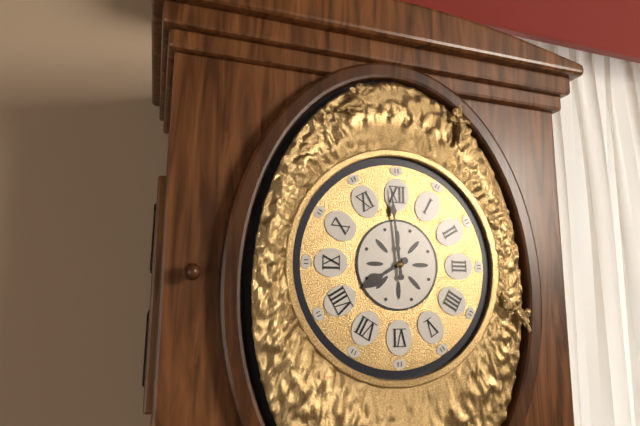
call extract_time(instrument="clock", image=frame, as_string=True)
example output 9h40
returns 7h59
